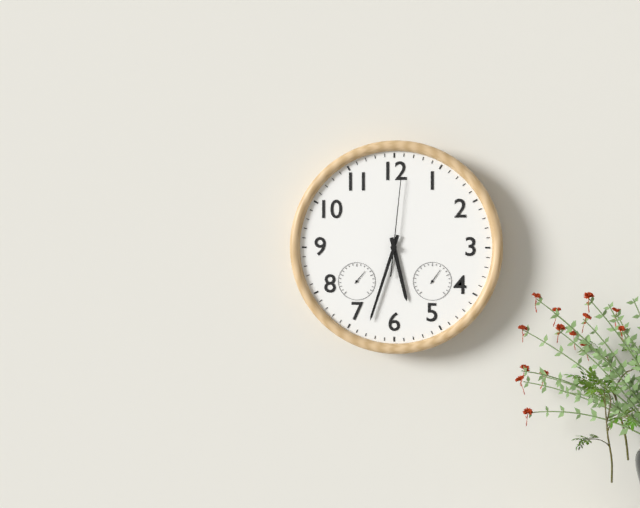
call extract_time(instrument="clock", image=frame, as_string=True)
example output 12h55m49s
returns 5h33m01s
